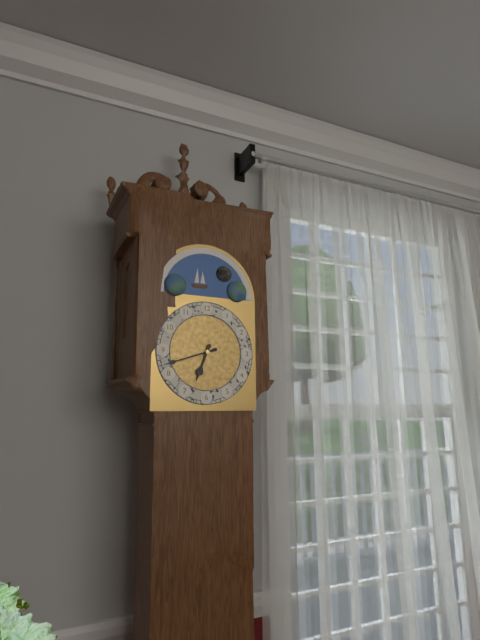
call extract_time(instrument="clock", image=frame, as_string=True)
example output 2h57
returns 6h42
